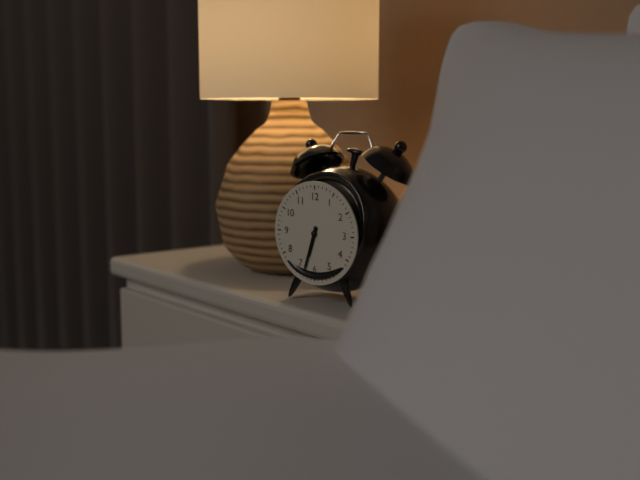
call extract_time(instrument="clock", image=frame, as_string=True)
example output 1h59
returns 6h33
